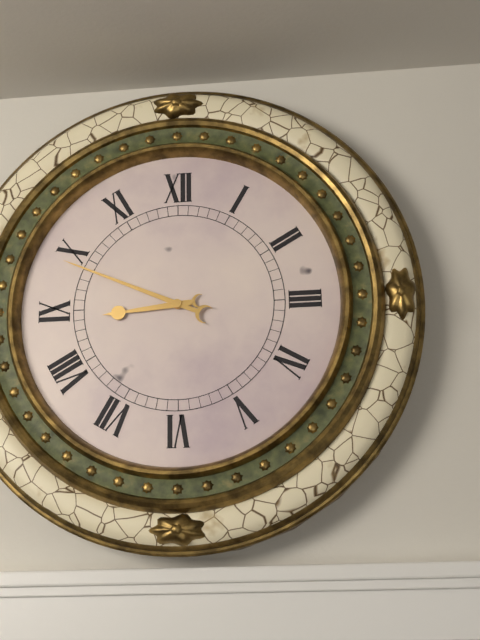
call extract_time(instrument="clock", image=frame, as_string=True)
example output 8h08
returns 8h49
